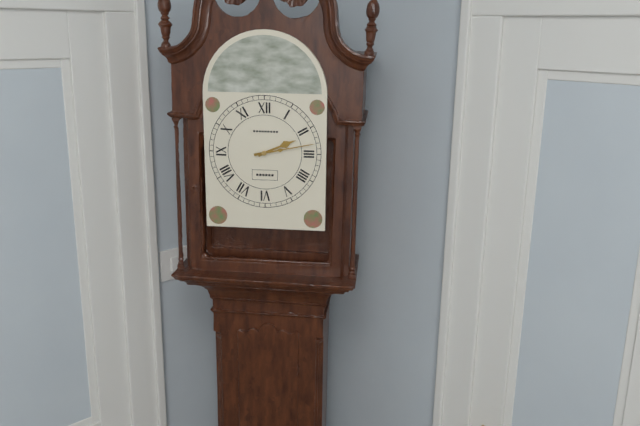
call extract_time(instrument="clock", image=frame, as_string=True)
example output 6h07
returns 2h13
